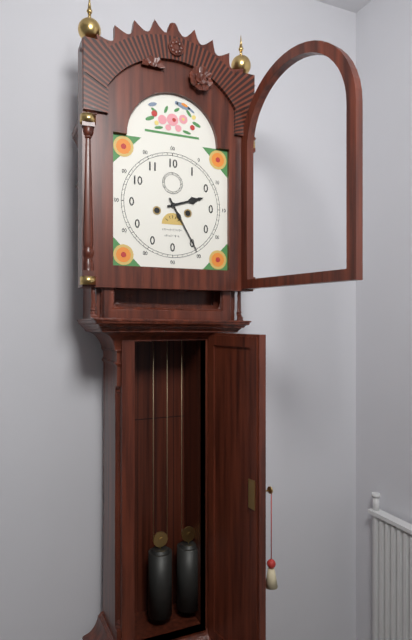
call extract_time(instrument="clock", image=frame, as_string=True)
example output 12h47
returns 2h25
